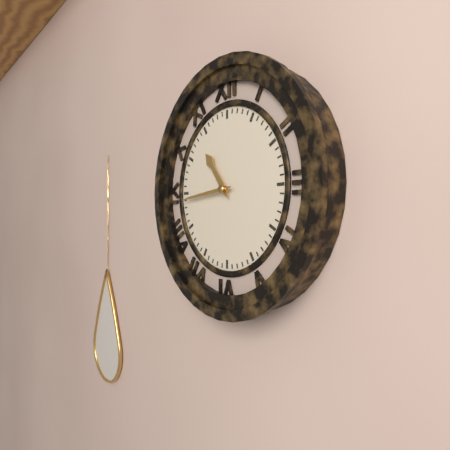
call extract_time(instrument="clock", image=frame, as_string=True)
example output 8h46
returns 10h44
